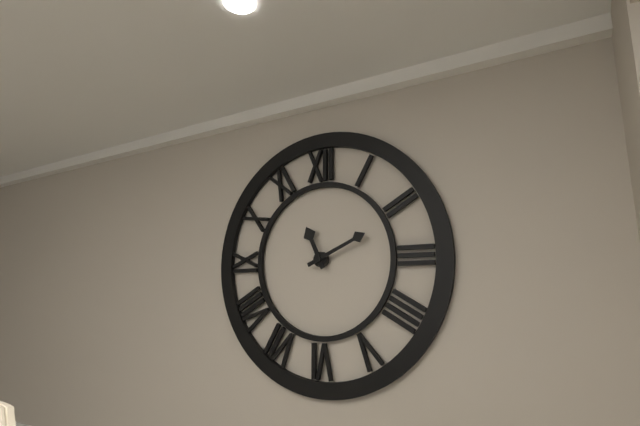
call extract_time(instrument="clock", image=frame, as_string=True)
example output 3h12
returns 11h11
